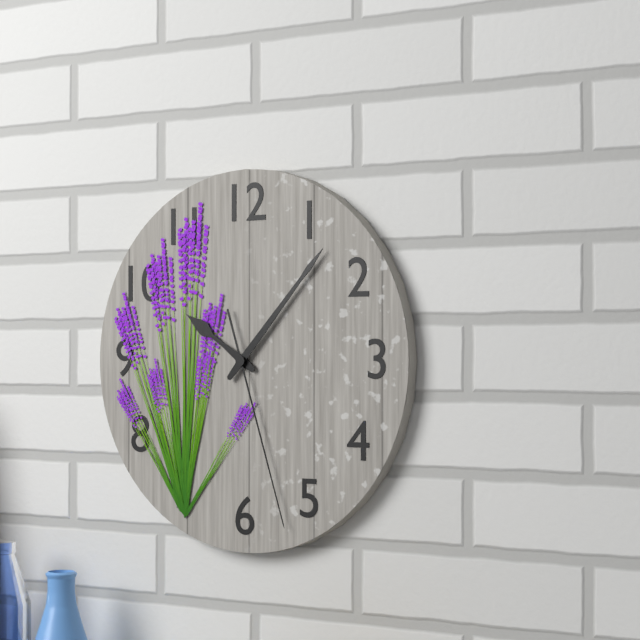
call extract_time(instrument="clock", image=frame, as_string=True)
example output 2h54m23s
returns 10h07m27s
